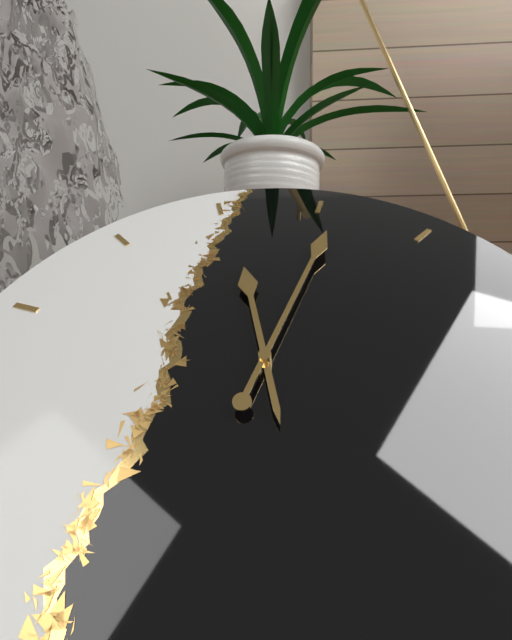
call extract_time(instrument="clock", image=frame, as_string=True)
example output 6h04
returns 12h06
